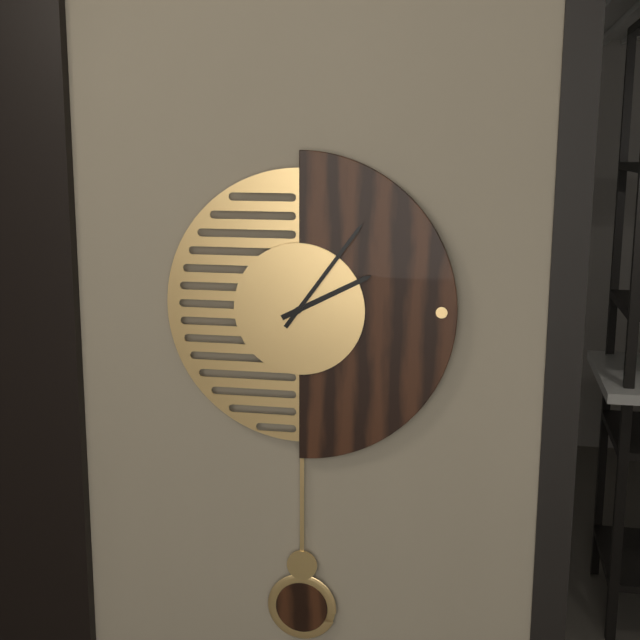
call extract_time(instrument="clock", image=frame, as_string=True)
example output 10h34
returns 2h06
